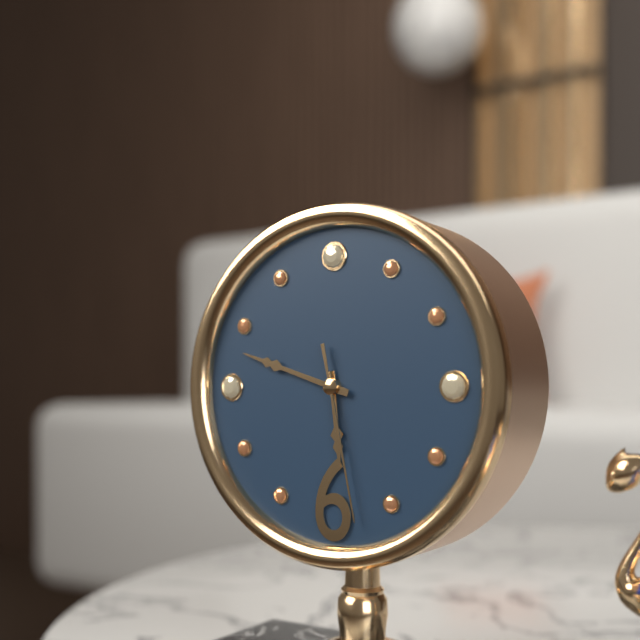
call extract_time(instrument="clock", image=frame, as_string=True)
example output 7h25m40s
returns 5h48m28s
